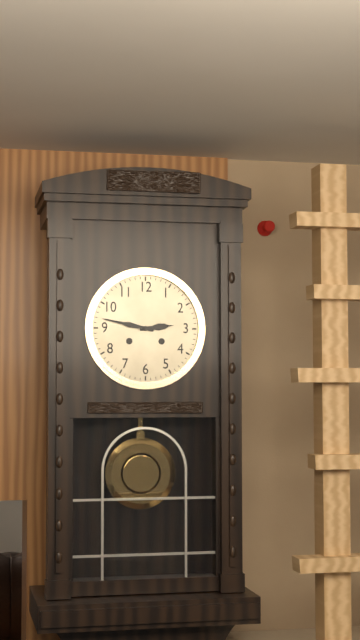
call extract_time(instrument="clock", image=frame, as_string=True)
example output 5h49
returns 2h47
